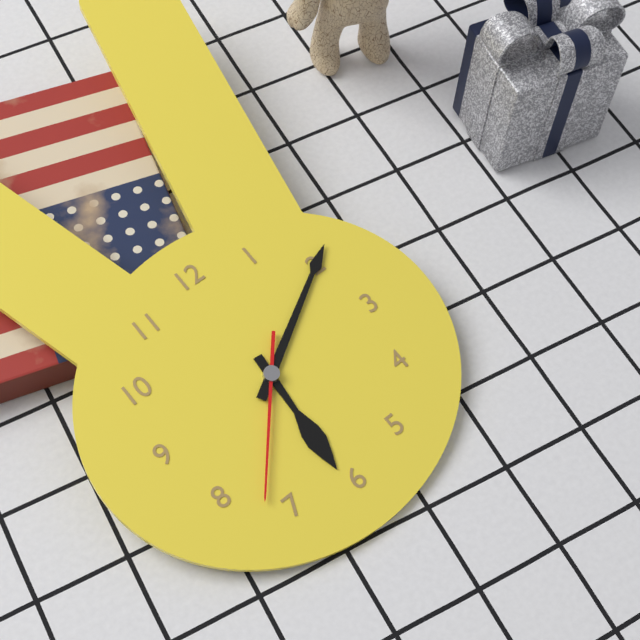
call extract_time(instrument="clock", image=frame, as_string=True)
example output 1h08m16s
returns 6h10m37s
